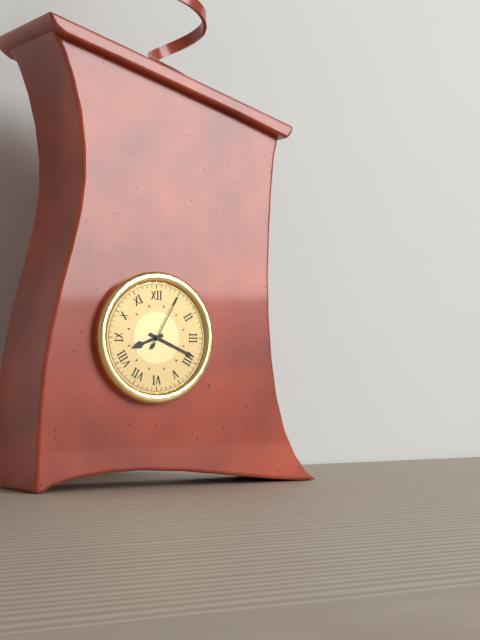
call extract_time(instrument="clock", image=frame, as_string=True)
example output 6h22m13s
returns 8h19m05s
